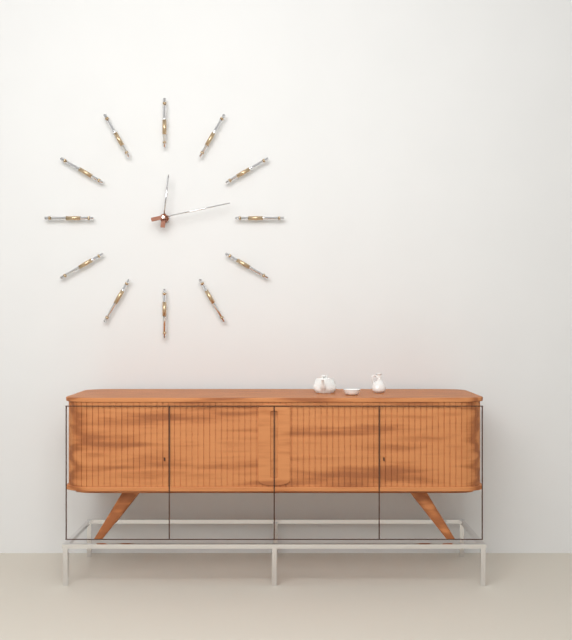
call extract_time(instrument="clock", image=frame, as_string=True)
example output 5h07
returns 12h13
